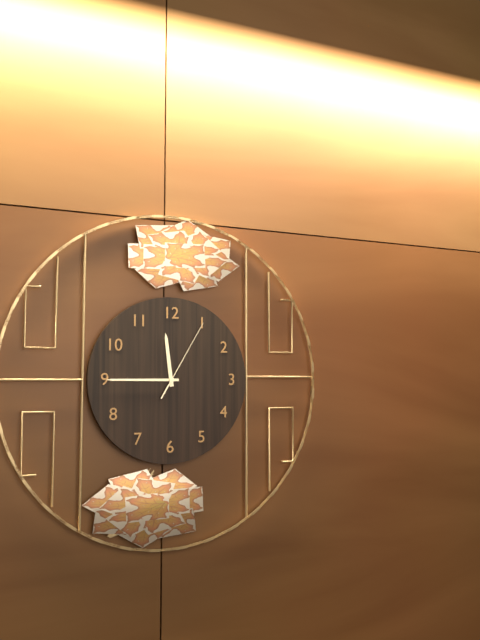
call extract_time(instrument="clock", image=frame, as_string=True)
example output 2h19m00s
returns 11h45m05s
